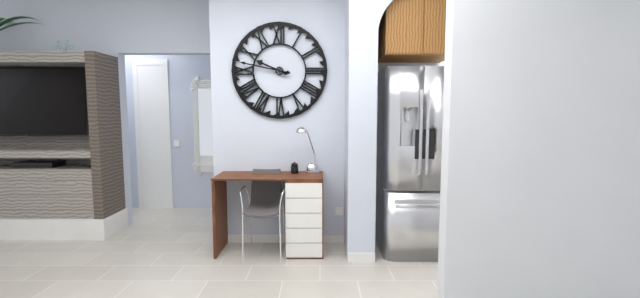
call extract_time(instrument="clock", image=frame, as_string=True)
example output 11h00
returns 9h47
